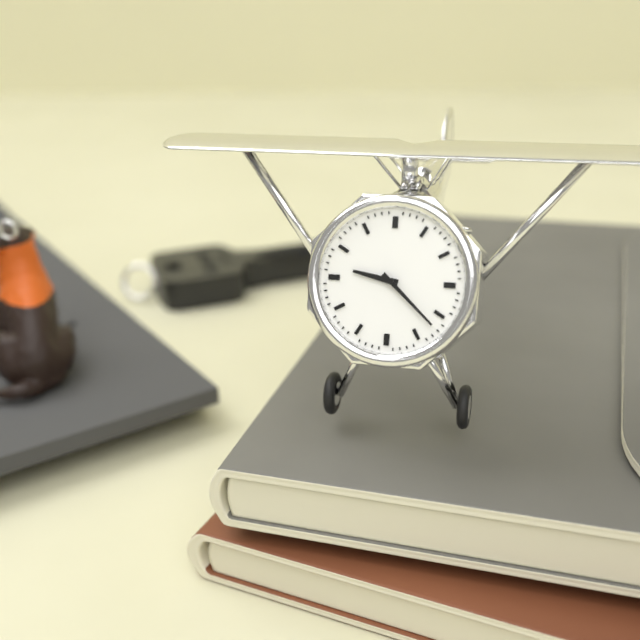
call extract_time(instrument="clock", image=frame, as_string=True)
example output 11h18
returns 9h22
